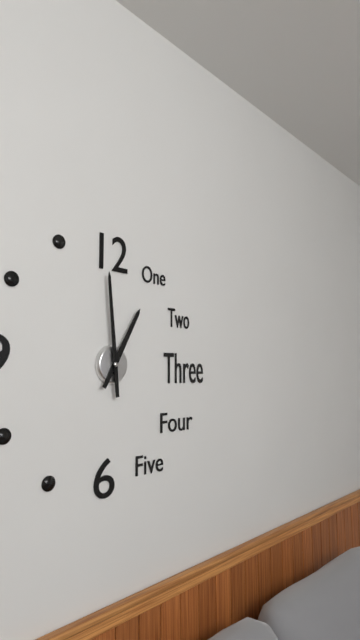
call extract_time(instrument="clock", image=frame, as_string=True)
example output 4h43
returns 12h59
